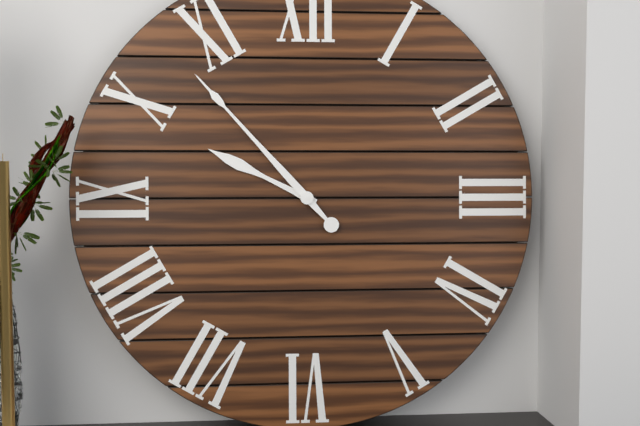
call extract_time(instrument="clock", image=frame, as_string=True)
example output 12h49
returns 9h53
